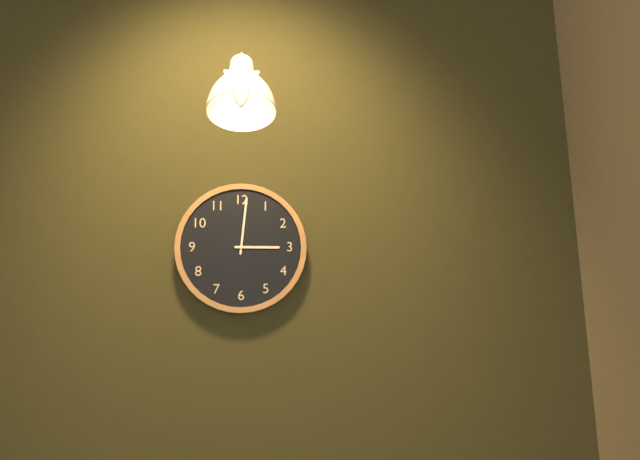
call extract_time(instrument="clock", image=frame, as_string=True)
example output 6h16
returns 3h01
